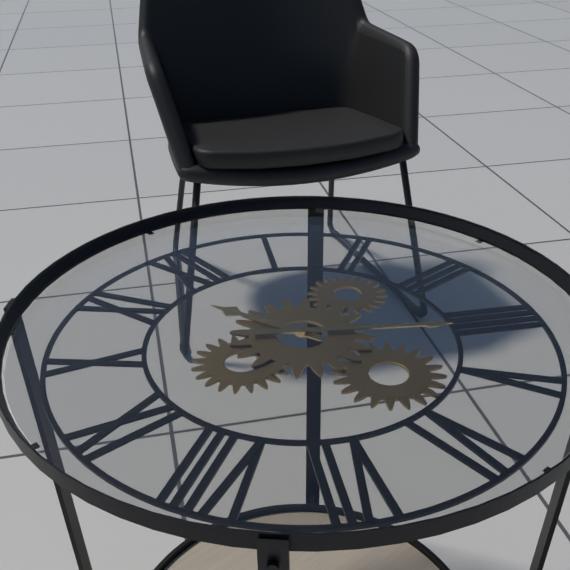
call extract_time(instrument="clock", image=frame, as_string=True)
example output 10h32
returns 11h21
